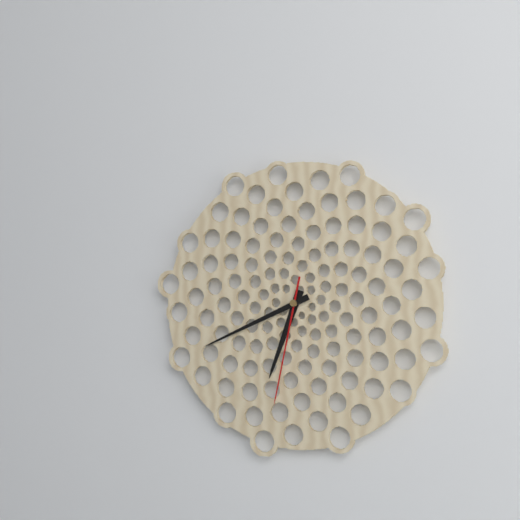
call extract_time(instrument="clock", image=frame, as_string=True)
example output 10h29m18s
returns 6h41m32s
